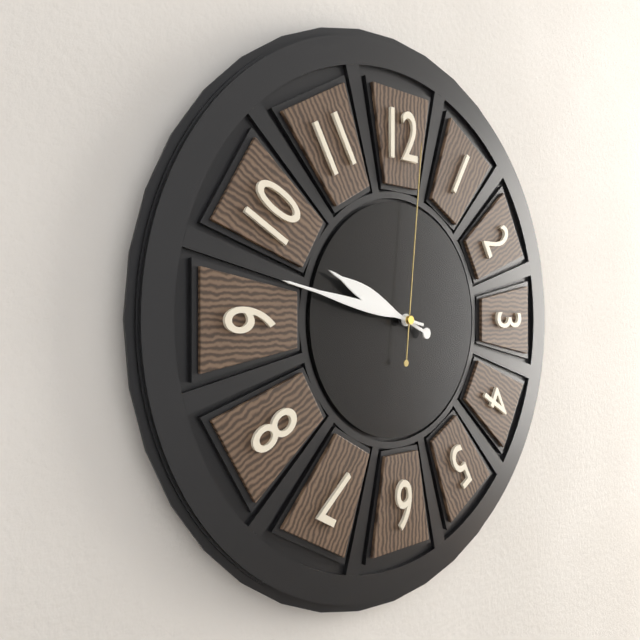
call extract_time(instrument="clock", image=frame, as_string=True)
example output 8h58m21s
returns 9h47m01s
